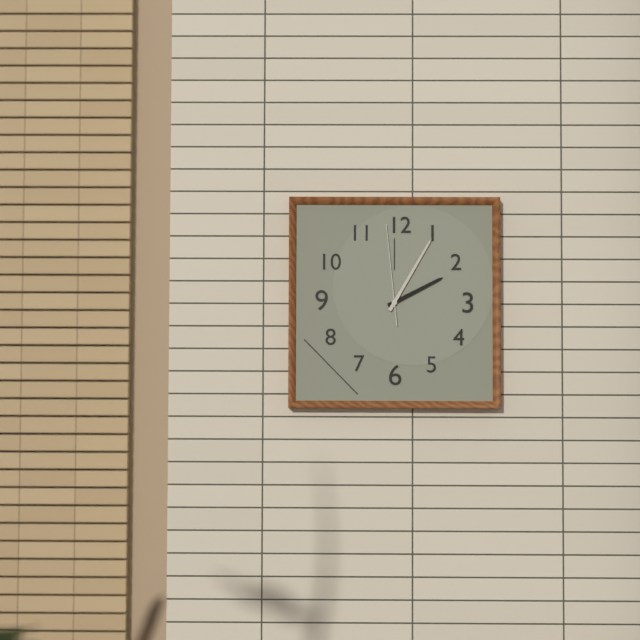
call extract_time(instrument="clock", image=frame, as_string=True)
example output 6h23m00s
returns 2h05m59s
